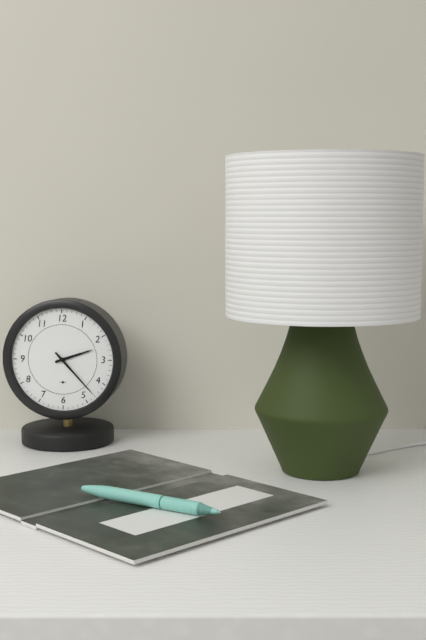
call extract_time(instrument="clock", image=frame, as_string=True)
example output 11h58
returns 2h23
